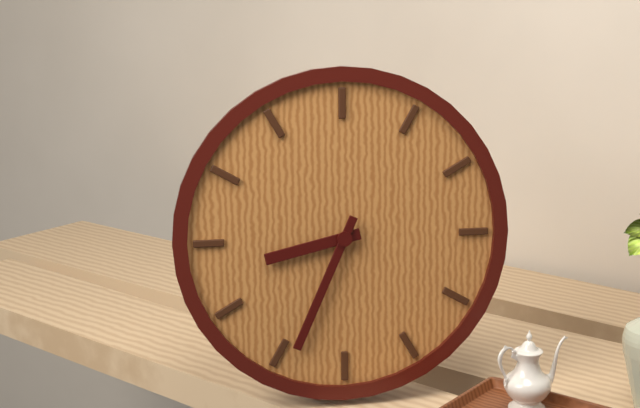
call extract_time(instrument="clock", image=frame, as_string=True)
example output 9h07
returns 8h34
